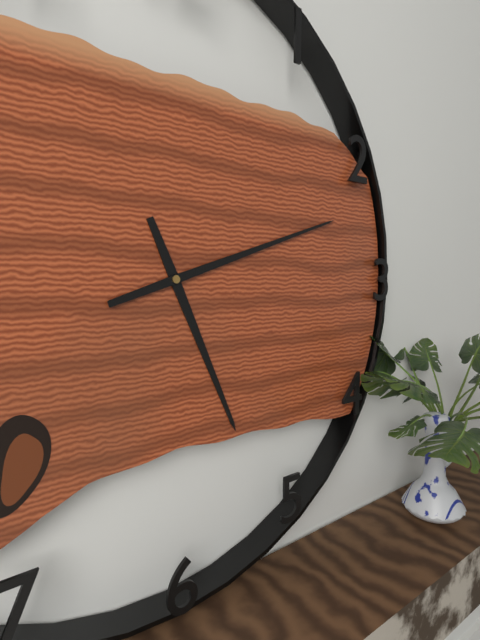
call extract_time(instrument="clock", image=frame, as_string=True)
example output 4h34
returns 5h12
